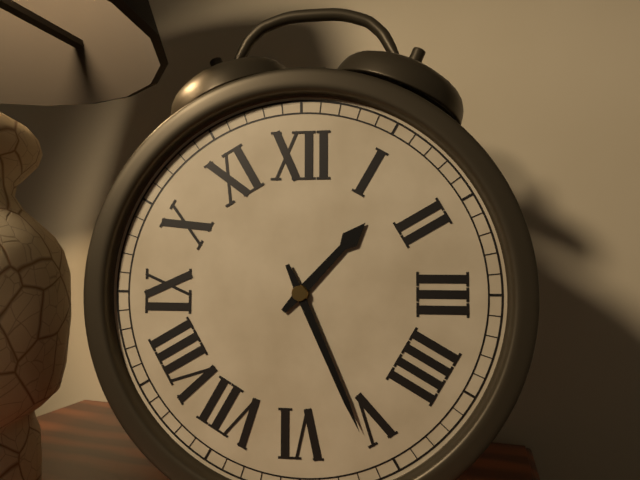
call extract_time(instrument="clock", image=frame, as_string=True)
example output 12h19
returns 1h26
